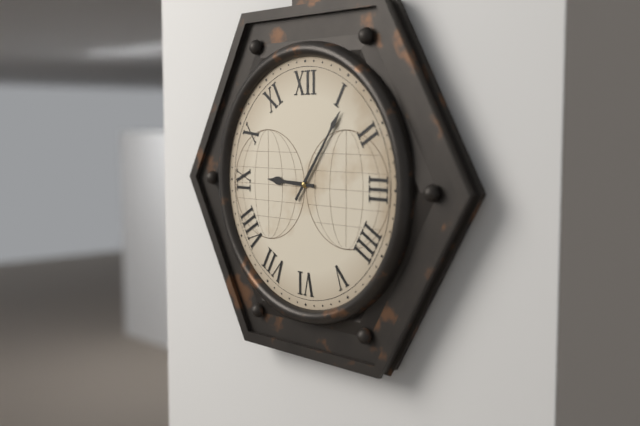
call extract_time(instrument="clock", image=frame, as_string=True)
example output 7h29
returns 9h06
